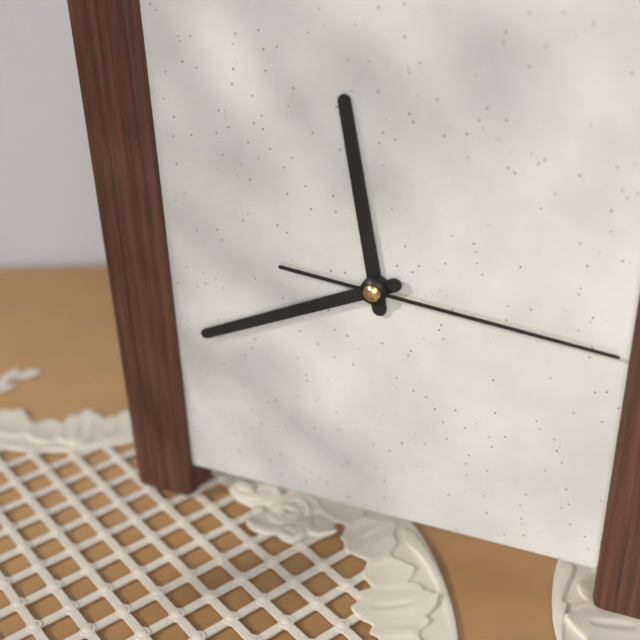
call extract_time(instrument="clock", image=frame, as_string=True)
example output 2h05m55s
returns 11h41m16s
